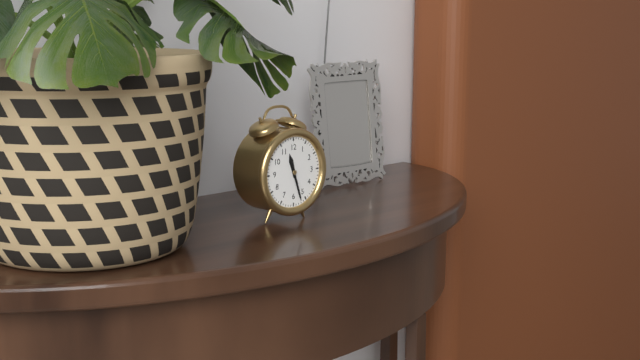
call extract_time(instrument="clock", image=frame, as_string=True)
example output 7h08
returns 11h27
